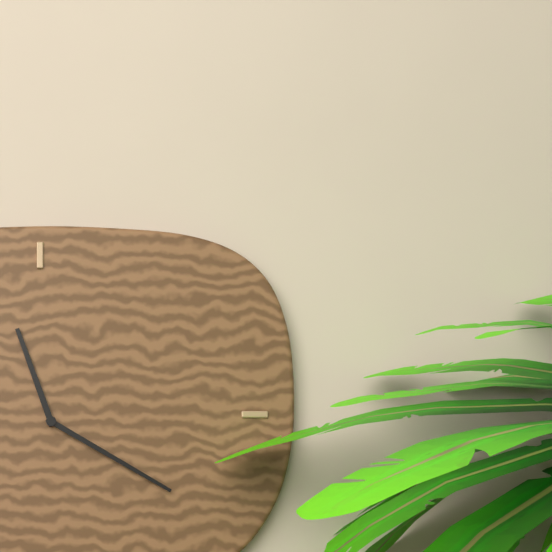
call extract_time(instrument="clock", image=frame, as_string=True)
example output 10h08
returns 11h20
